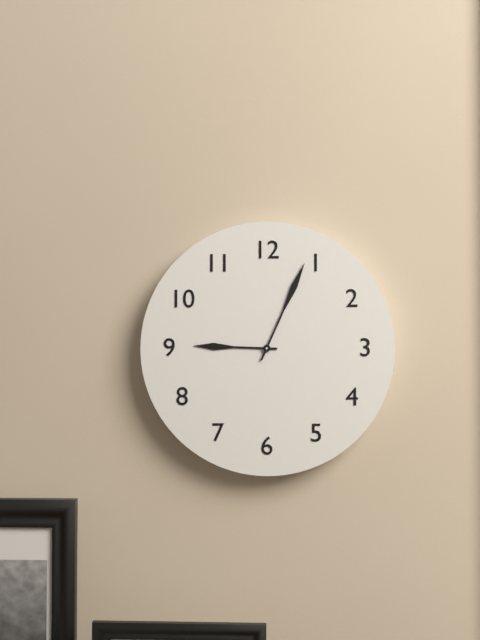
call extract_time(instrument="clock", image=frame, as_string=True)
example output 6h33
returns 9h04
